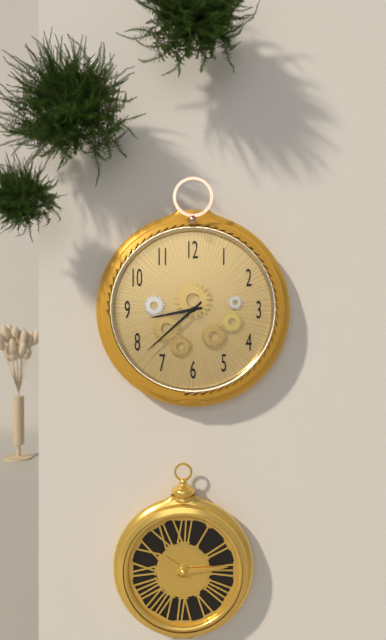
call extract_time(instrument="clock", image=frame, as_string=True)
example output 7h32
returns 8h38
